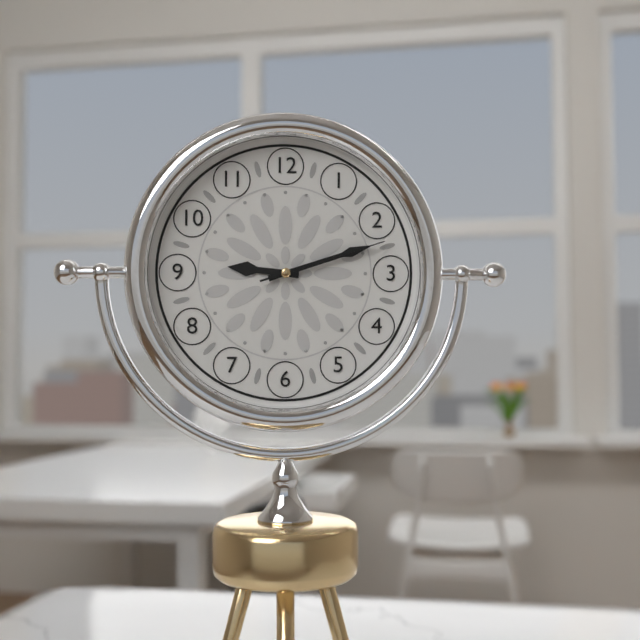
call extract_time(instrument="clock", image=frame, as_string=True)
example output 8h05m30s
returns 9h12m12s
